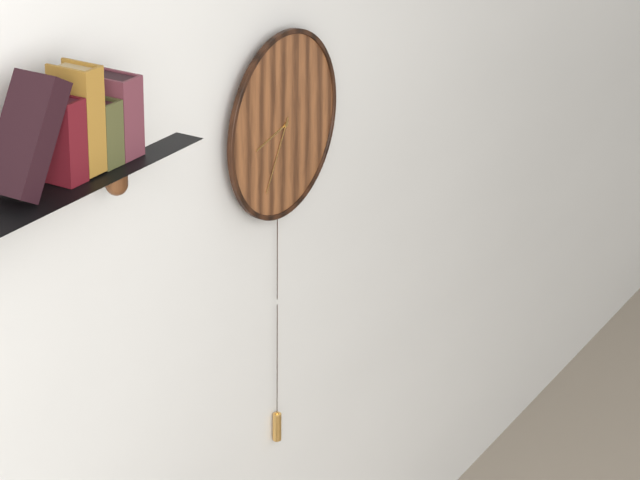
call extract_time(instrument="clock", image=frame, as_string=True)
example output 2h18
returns 8h35
